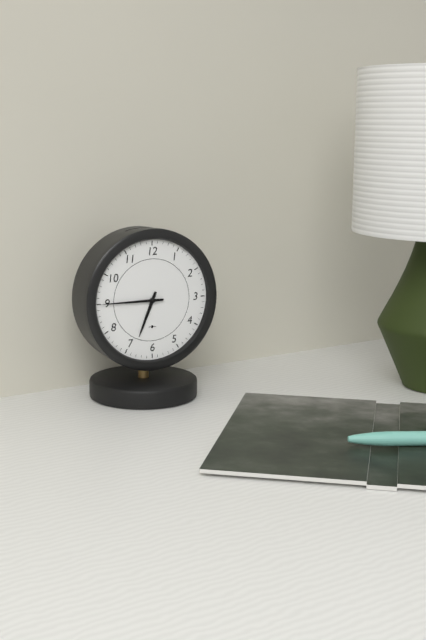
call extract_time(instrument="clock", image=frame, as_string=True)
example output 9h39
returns 6h45
